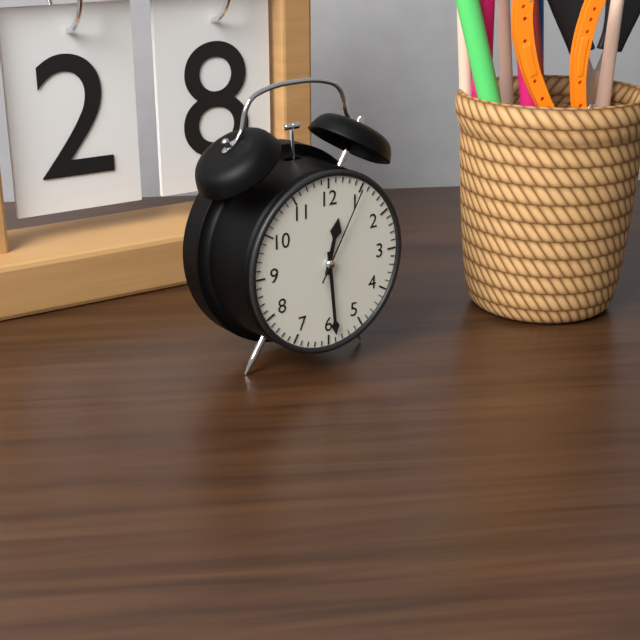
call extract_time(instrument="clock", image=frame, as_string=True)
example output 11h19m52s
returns 12h29m05s
